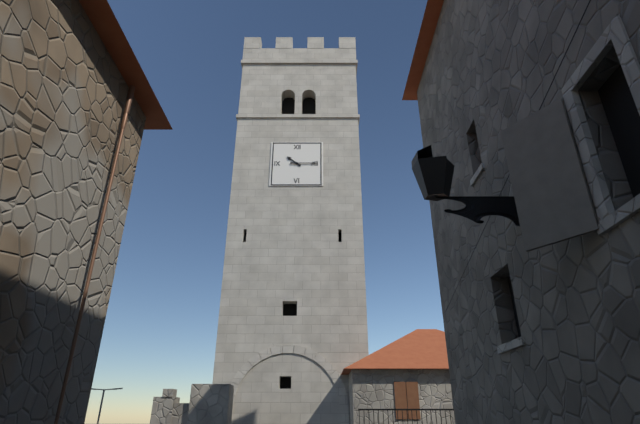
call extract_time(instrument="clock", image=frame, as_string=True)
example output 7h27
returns 10h15
